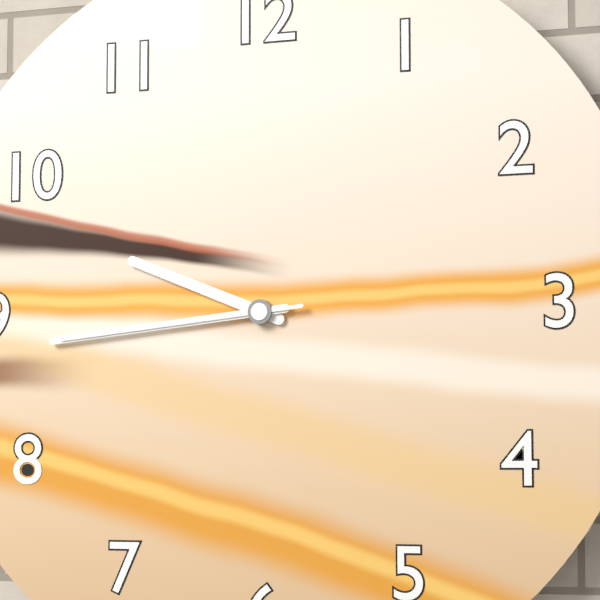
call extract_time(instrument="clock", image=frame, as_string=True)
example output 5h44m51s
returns 9h44m44s
